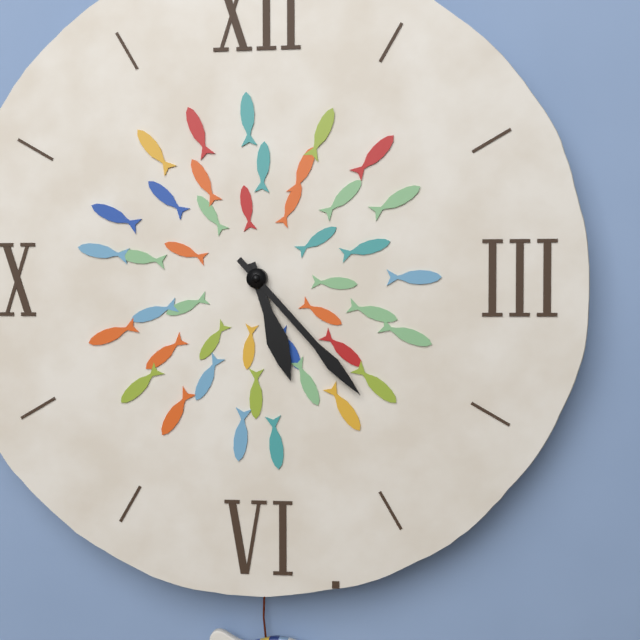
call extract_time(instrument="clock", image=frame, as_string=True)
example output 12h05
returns 5h23
